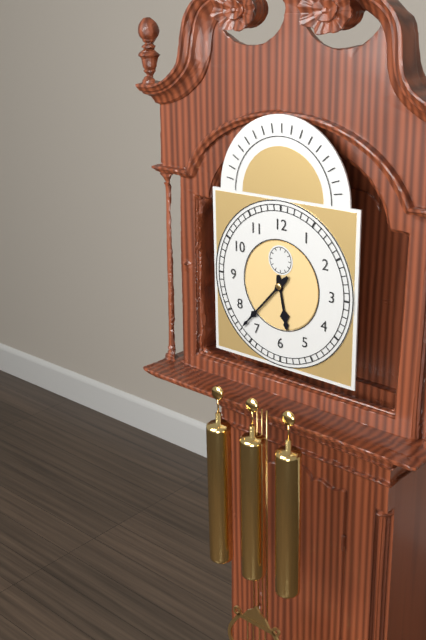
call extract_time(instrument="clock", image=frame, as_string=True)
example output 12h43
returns 5h37
